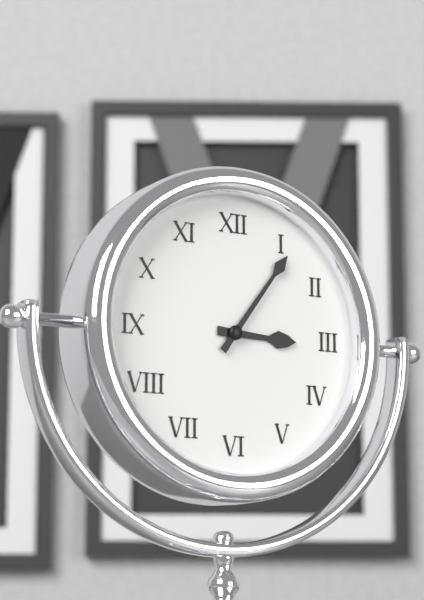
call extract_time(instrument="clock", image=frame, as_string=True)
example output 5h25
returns 3h06
